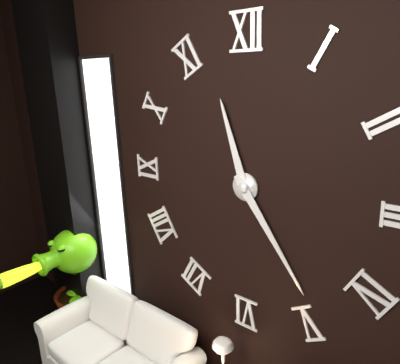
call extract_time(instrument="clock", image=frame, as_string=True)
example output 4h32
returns 11h24
